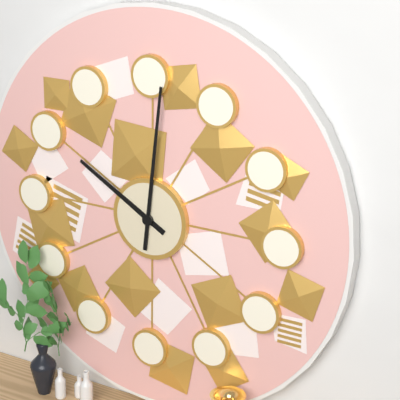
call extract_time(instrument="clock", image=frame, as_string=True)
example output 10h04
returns 10h01
